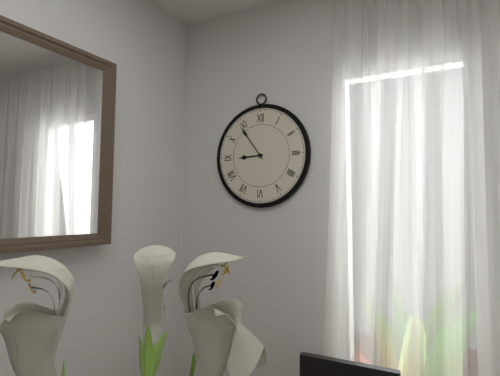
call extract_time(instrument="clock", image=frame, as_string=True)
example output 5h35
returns 8h54
